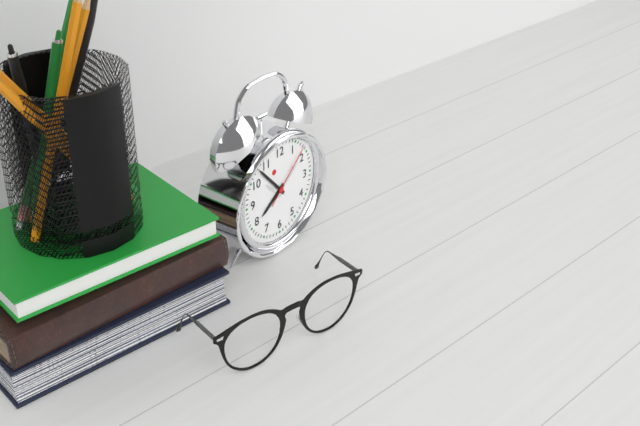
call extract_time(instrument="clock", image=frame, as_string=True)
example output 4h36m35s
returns 7h53m08s
